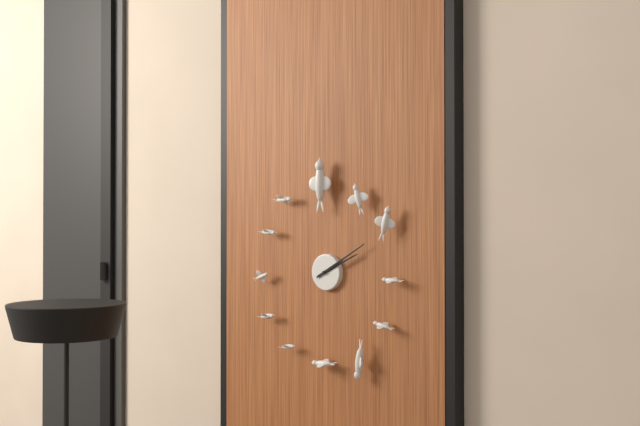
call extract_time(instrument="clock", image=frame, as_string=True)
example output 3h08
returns 2h10
